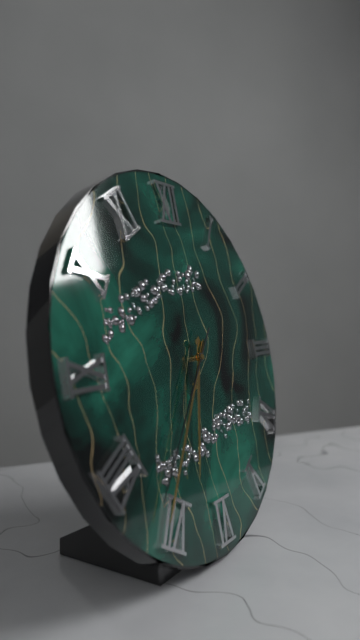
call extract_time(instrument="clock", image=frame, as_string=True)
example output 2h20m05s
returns 6h36m37s
